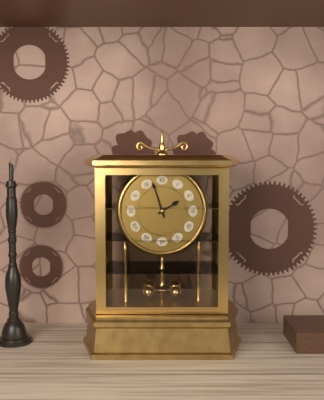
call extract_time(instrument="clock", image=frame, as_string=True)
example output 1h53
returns 1h57
